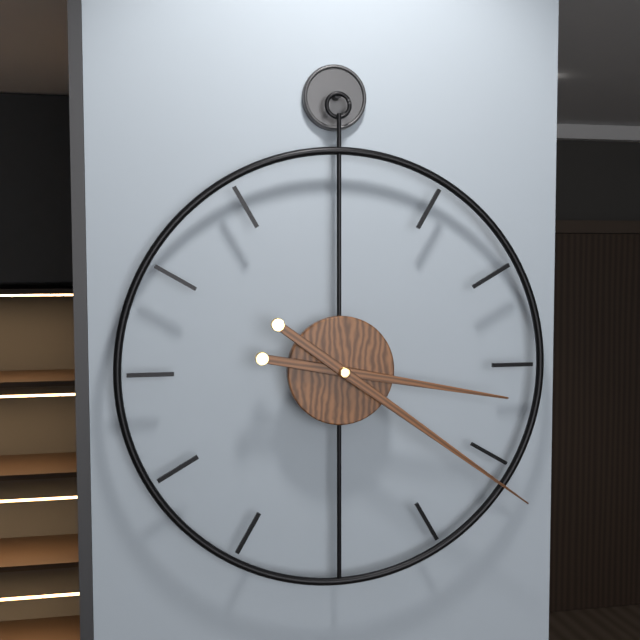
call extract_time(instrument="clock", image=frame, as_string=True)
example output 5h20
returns 3h21
